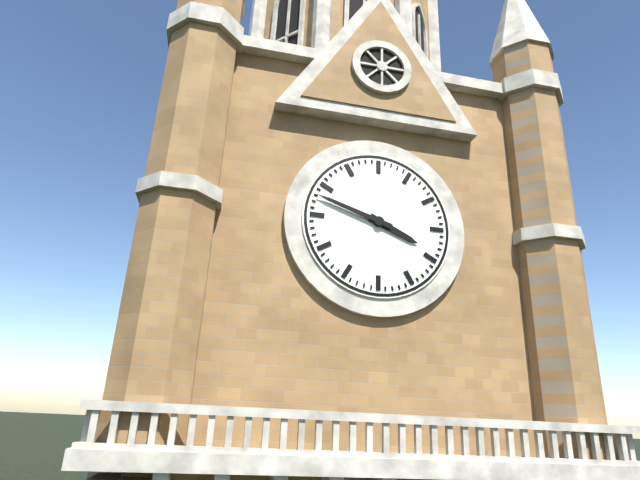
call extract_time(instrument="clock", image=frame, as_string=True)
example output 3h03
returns 3h48
